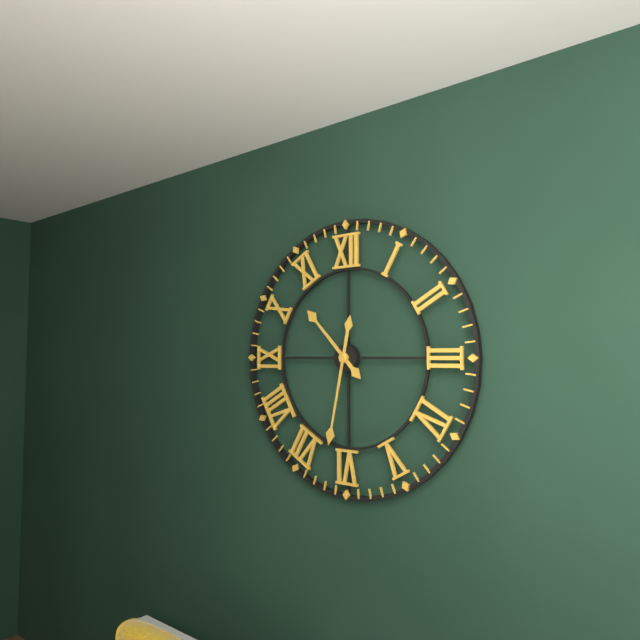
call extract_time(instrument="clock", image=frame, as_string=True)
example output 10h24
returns 10h32
